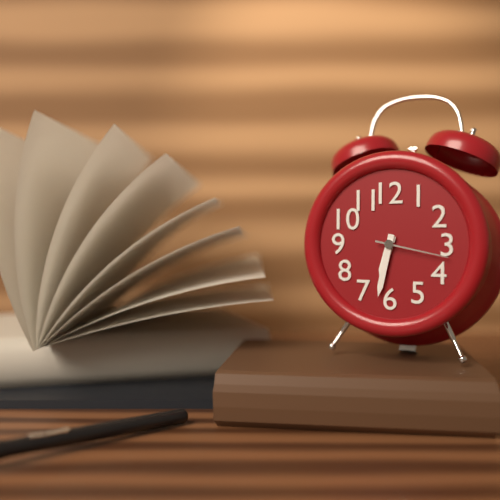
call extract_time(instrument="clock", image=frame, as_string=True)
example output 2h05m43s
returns 6h32m17s
